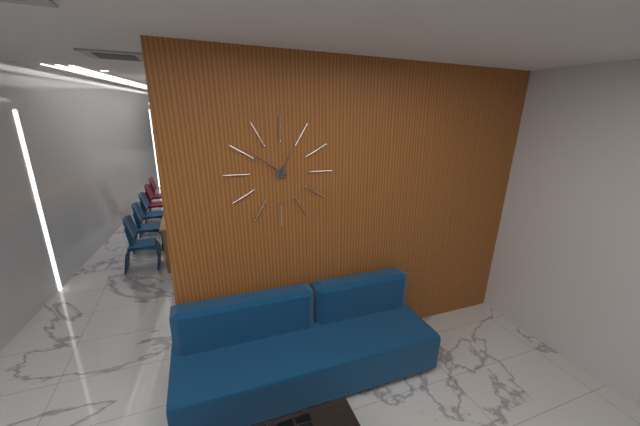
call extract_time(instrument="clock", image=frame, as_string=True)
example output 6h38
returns 12h51
